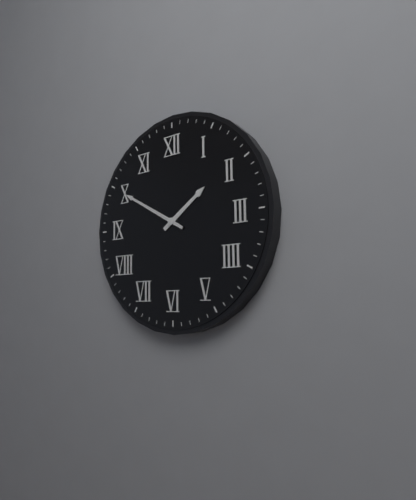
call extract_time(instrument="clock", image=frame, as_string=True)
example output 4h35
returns 1h50
